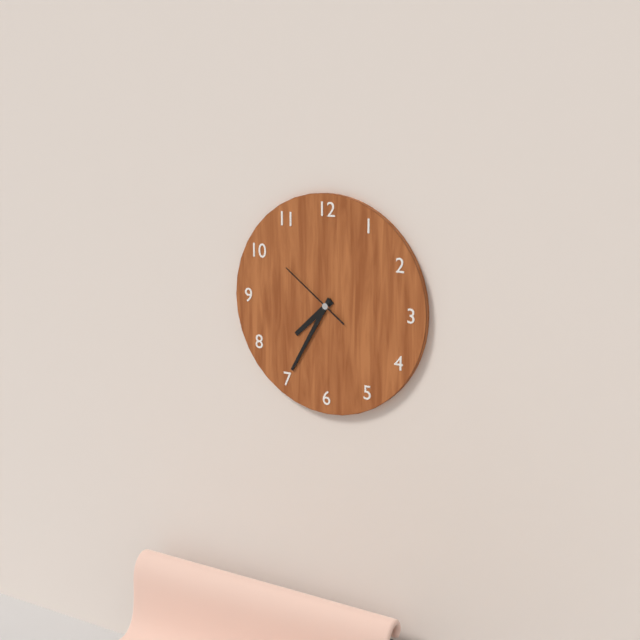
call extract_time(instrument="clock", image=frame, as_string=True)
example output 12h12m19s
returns 7h35m51s
